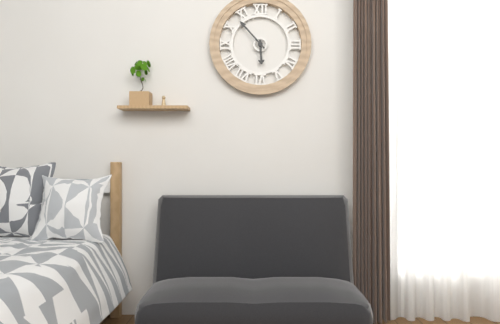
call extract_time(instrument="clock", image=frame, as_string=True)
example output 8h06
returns 5h53
